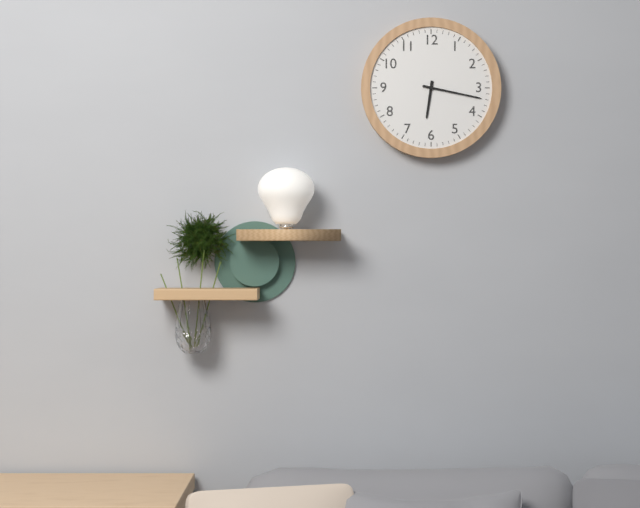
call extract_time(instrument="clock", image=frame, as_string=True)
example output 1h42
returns 6h17
